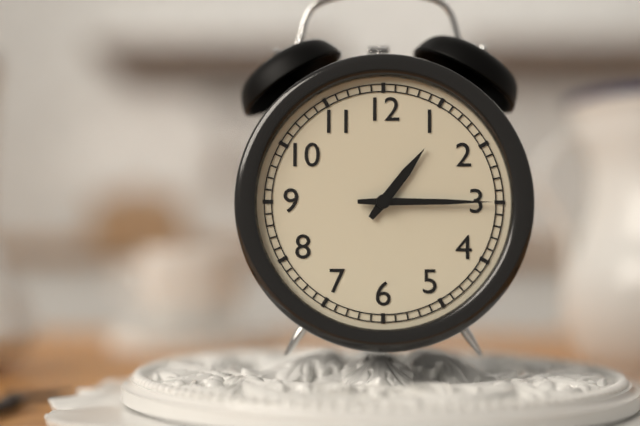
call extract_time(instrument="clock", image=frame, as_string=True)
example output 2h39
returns 1h15
